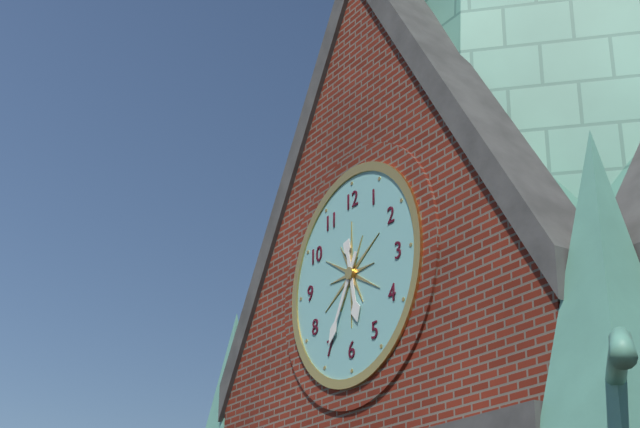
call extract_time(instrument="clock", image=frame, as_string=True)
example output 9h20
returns 5h35
